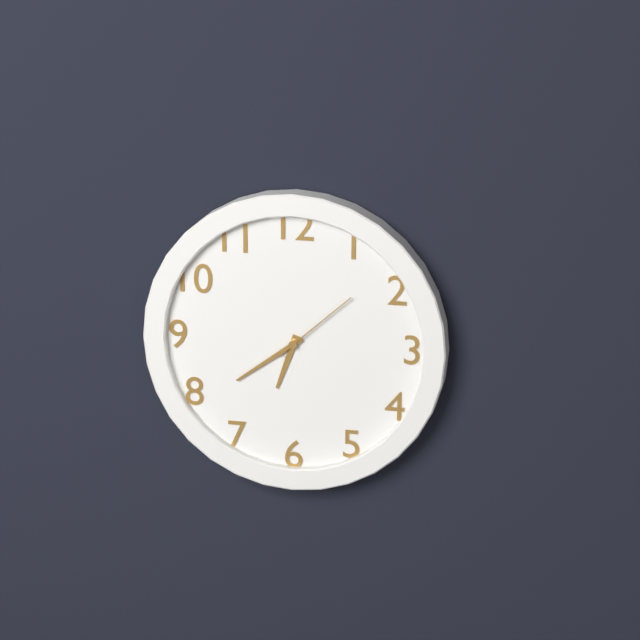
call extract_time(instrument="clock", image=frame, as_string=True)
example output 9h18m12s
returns 6h39m08s
